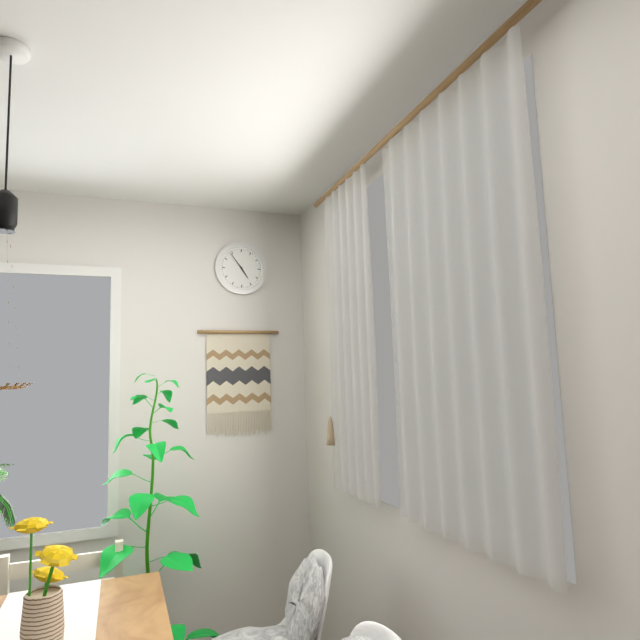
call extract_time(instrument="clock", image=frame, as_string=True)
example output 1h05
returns 4h54
